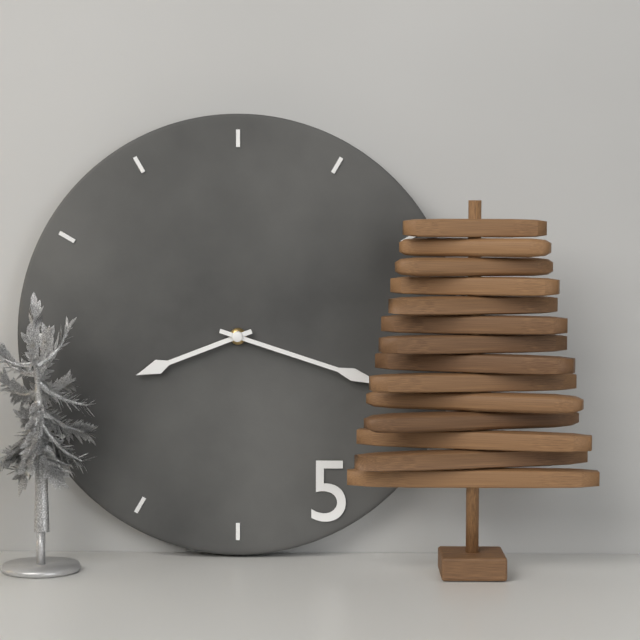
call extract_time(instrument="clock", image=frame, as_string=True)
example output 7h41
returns 8h18
